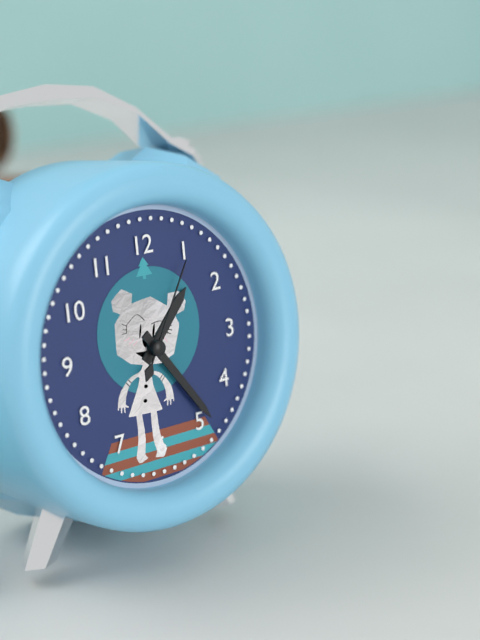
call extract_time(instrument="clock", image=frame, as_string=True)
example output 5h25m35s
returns 1h24m05s
